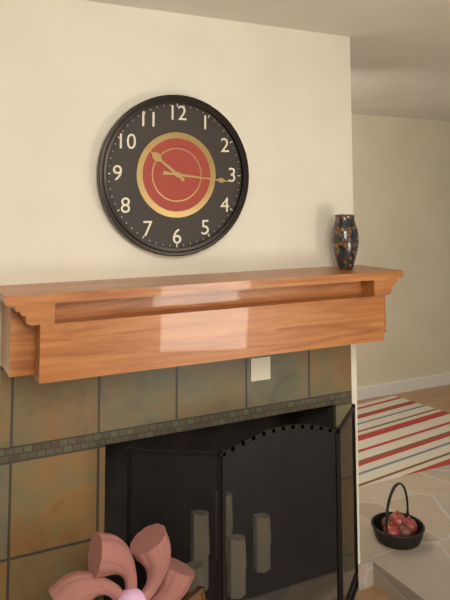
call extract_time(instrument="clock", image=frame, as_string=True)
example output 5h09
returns 10h16
